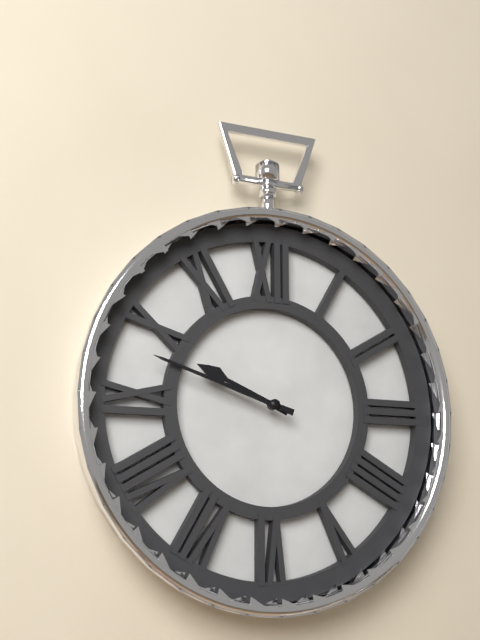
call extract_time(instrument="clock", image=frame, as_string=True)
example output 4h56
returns 9h48
